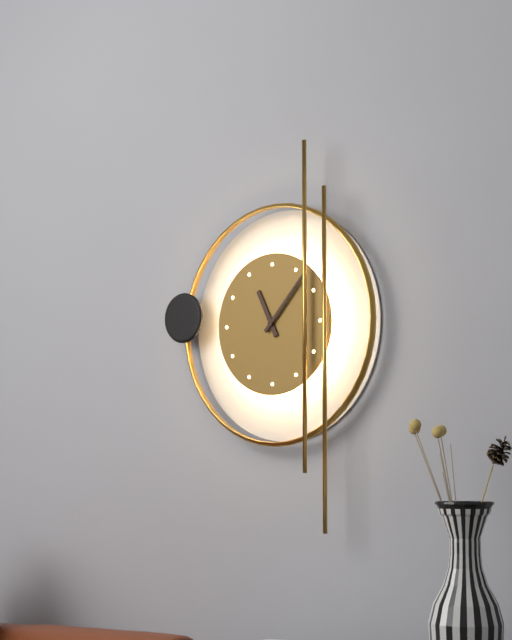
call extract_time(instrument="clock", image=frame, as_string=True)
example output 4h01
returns 11h07
